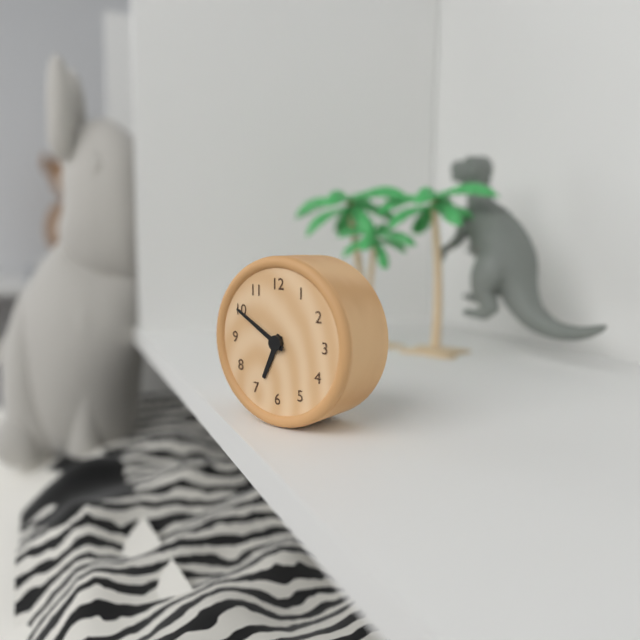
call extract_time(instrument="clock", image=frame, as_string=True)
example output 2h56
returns 6h50
